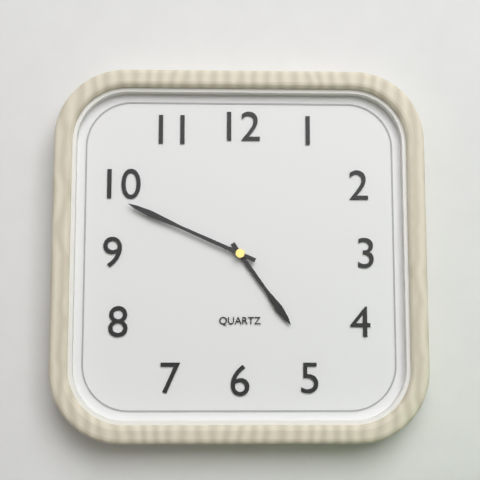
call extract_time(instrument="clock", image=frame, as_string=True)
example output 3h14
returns 4h49
